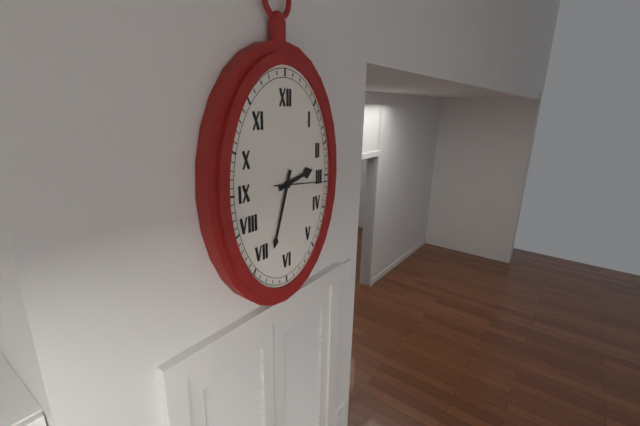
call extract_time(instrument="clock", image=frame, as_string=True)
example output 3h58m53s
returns 2h33m16s
